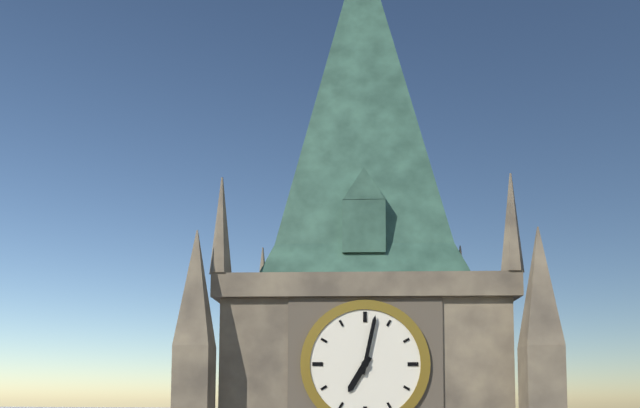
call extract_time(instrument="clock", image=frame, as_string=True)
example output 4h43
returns 7h02
